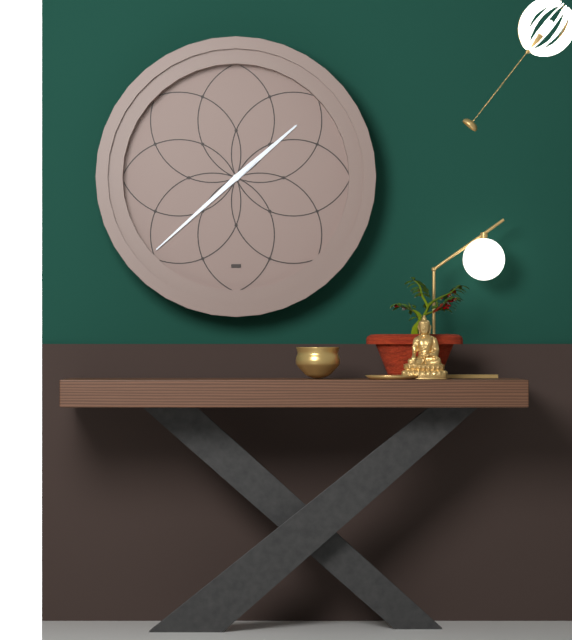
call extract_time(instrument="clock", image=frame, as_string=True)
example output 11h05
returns 1h38
